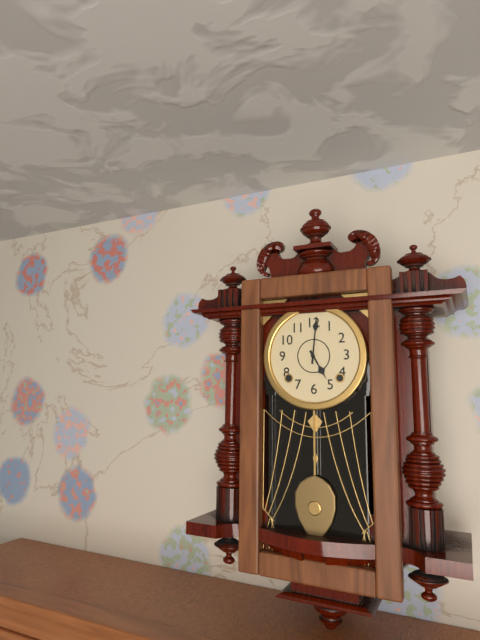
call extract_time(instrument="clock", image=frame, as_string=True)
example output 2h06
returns 5h01
